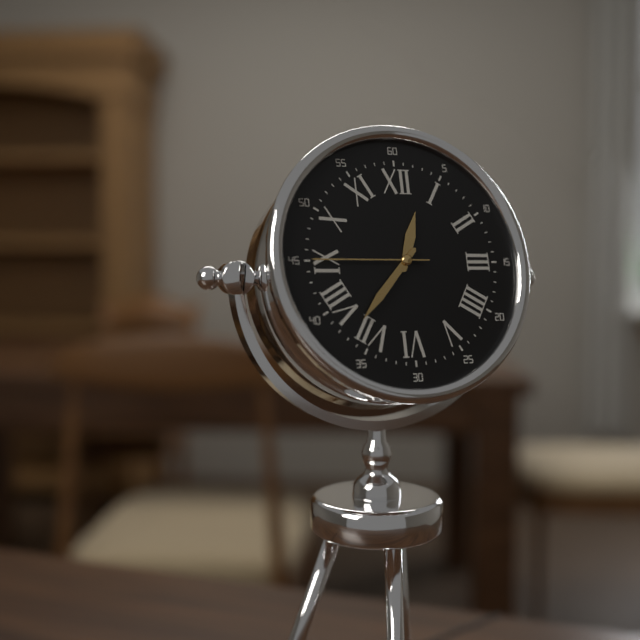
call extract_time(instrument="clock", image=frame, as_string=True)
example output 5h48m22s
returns 12h37m45s
